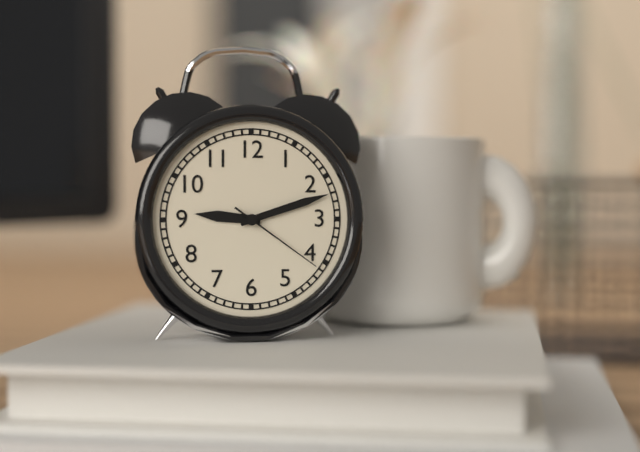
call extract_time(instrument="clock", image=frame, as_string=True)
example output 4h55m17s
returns 9h12m21s
